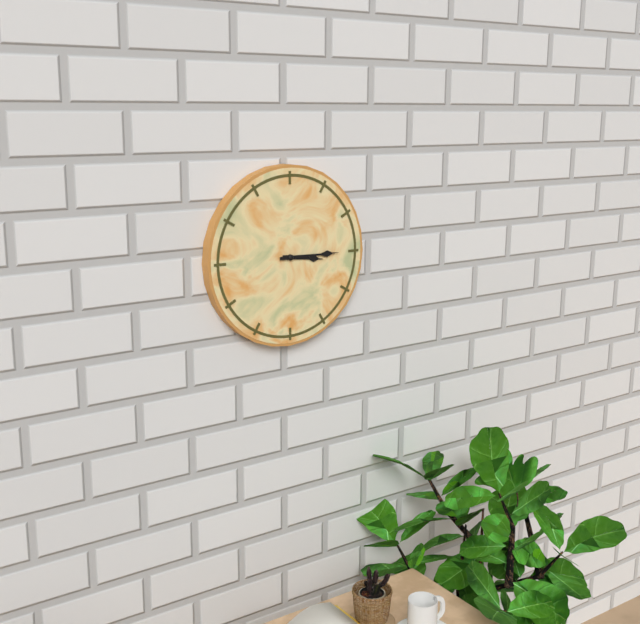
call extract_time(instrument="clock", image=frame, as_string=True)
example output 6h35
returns 3h15
